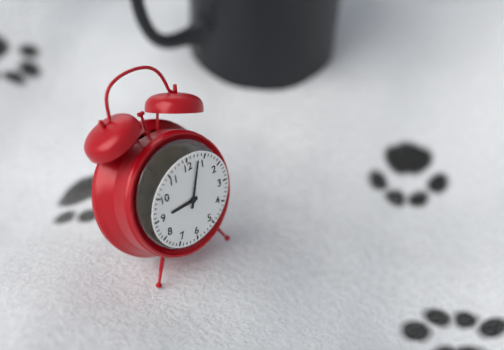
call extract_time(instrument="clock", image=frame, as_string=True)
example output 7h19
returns 9h03
